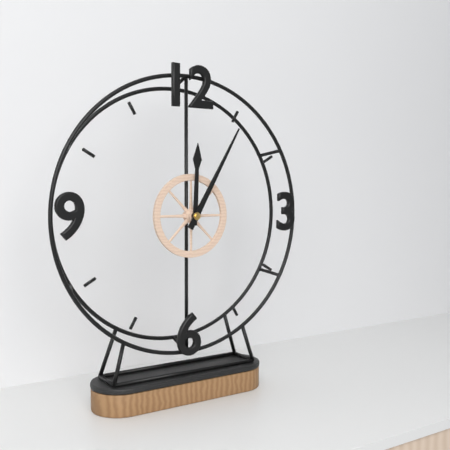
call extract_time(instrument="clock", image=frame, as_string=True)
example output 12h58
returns 12h05
